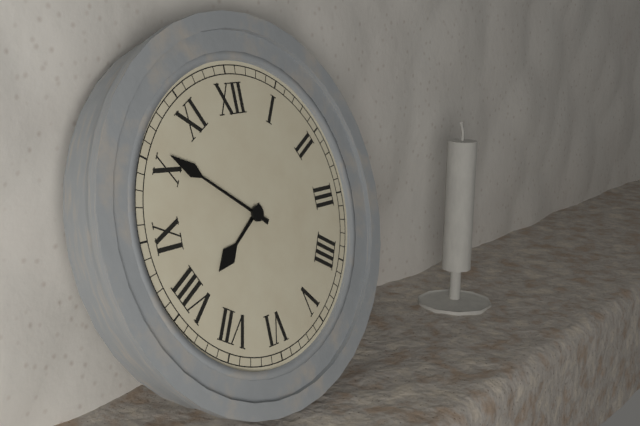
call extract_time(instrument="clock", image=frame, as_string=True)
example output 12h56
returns 7h51
